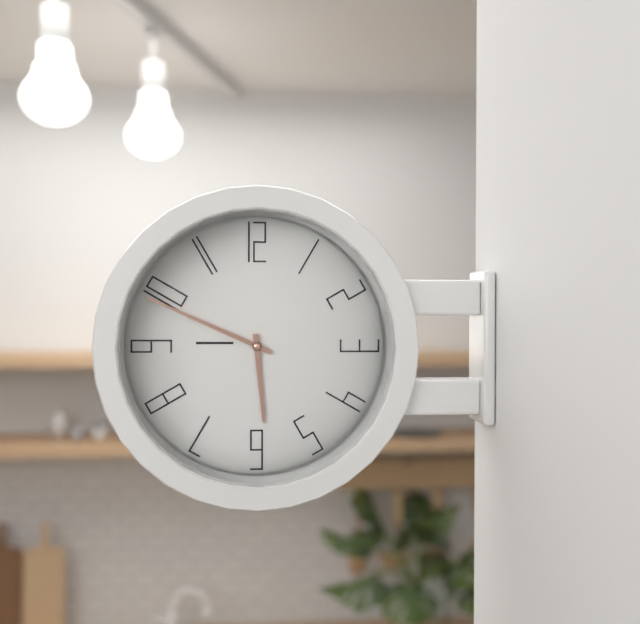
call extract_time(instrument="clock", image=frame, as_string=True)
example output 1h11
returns 5h49
